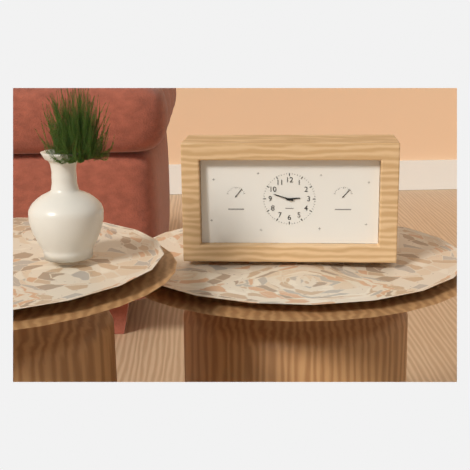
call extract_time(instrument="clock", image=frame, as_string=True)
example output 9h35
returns 2h48
